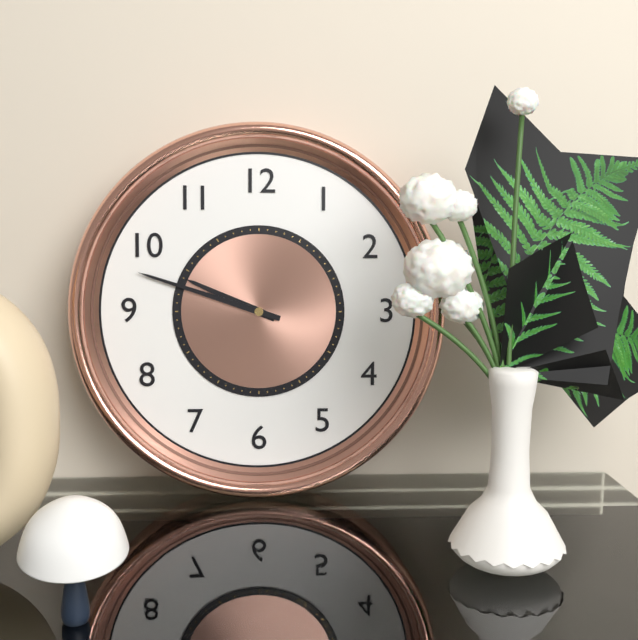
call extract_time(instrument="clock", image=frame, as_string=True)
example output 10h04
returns 9h48
